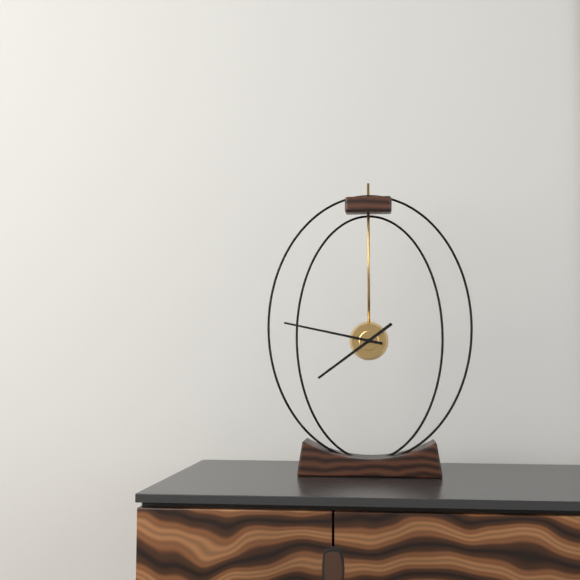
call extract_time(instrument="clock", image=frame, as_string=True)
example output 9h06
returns 7h47
